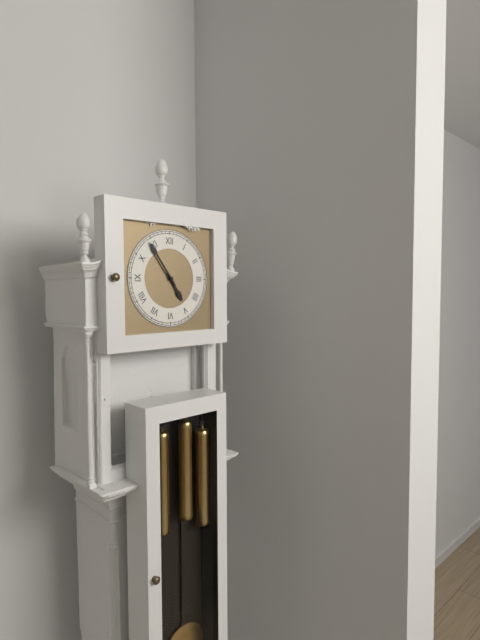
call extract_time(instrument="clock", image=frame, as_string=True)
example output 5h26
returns 4h54
